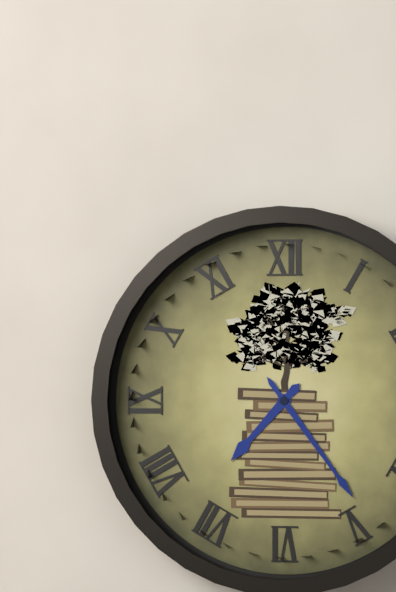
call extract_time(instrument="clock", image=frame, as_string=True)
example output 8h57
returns 7h24
